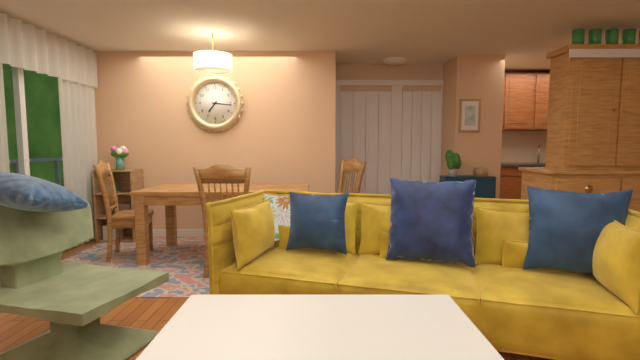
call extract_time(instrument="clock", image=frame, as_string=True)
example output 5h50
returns 7h16
